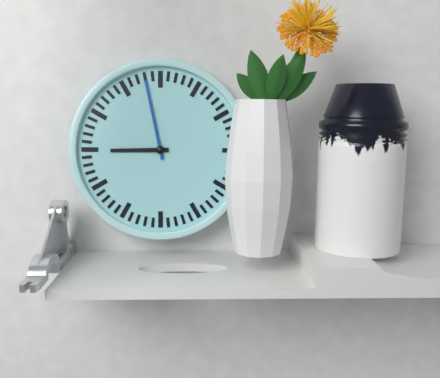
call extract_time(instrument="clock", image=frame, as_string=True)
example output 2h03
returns 8h58
